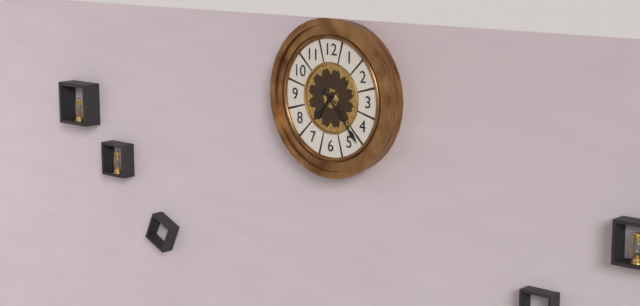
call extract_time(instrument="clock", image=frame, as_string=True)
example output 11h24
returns 7h23
